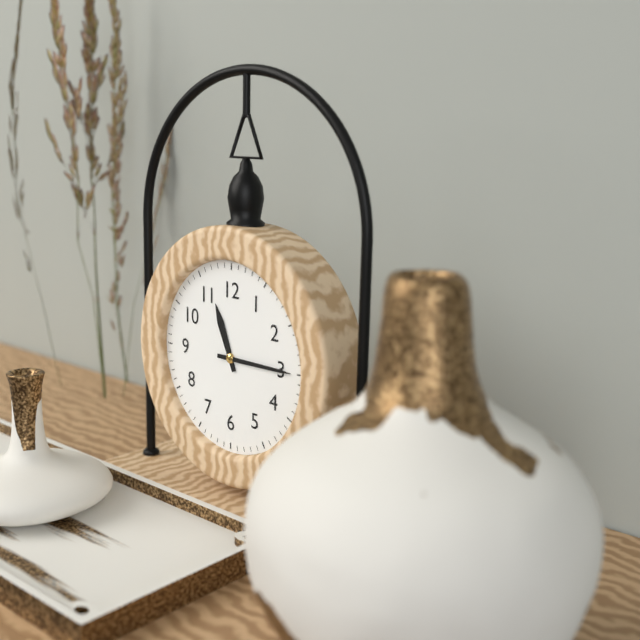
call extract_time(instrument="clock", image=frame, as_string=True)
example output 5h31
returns 11h15
